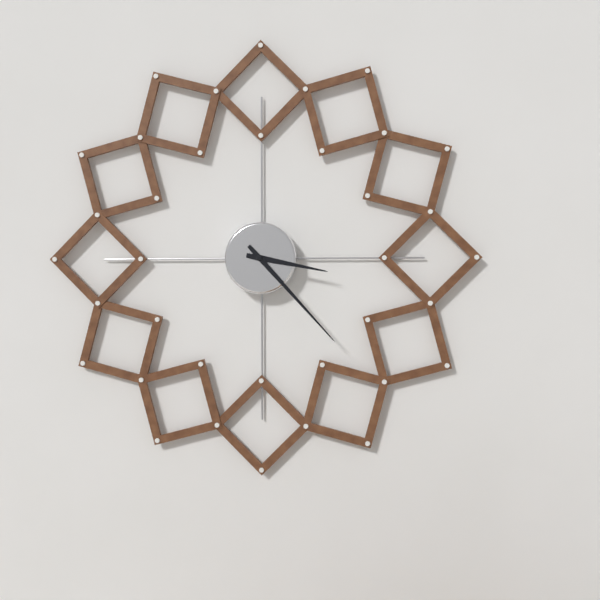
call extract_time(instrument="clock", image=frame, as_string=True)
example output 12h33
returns 3h23
